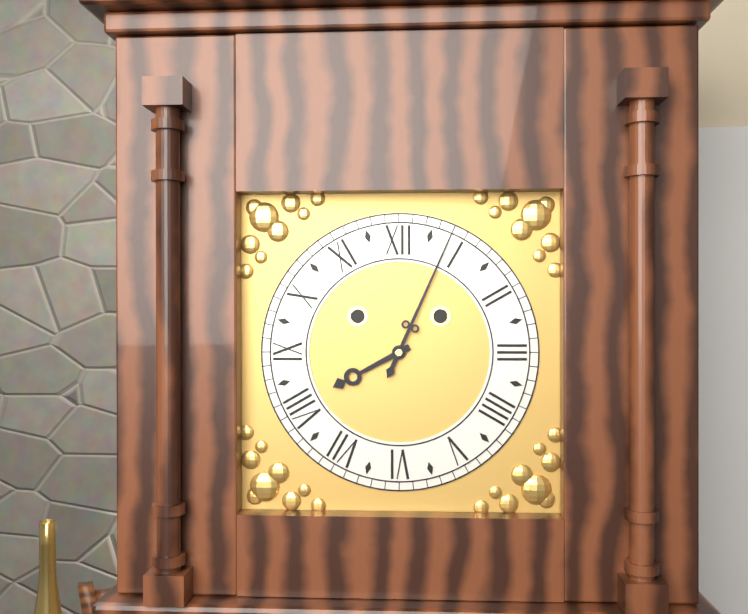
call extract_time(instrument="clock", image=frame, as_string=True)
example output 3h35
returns 8h04
